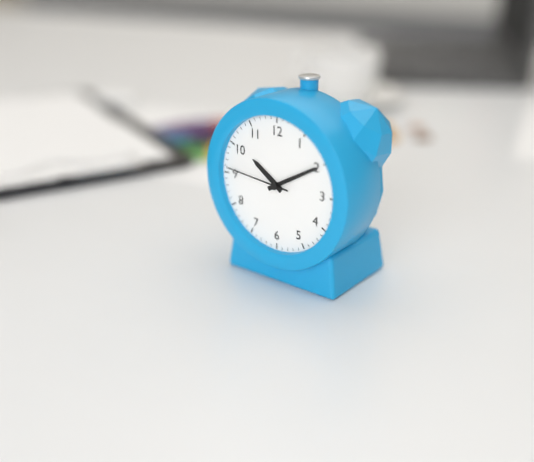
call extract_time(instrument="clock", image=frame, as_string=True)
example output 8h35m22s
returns 10h10m46s
